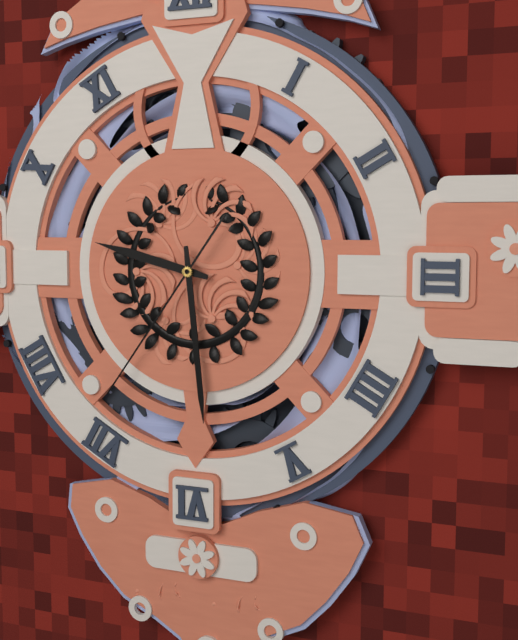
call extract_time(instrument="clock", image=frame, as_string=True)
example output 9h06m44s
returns 9h29m36s
